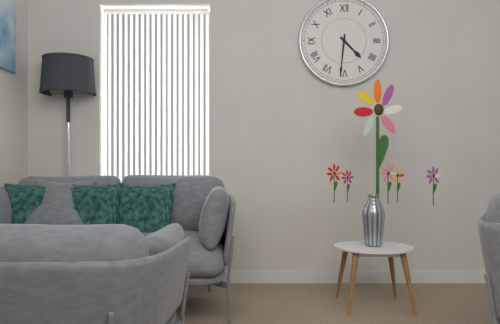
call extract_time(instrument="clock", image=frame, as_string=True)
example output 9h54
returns 4h31
